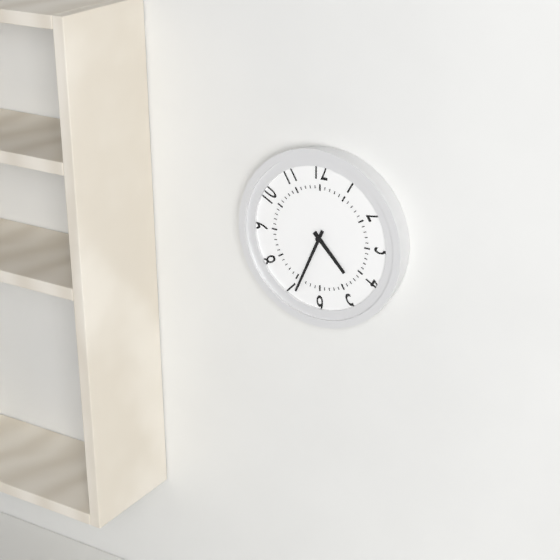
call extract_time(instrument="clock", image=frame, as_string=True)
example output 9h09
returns 4h34
